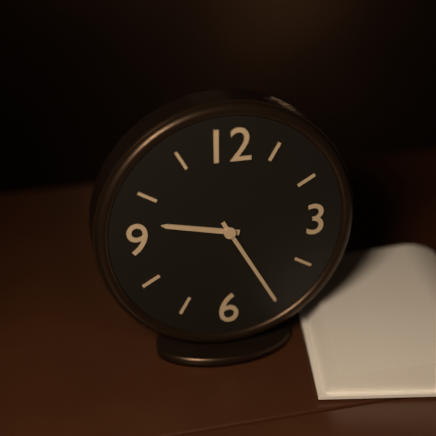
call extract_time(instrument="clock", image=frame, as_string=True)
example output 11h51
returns 9h25
